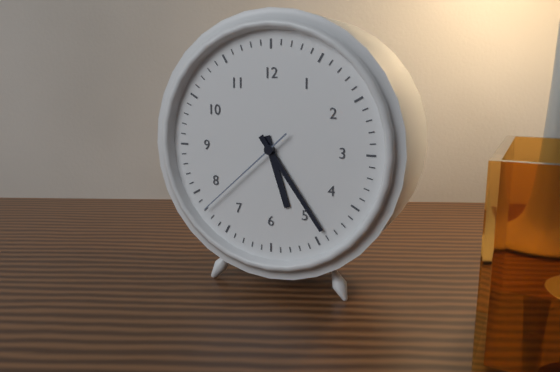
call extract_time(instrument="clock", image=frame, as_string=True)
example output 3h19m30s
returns 5h24m38s
